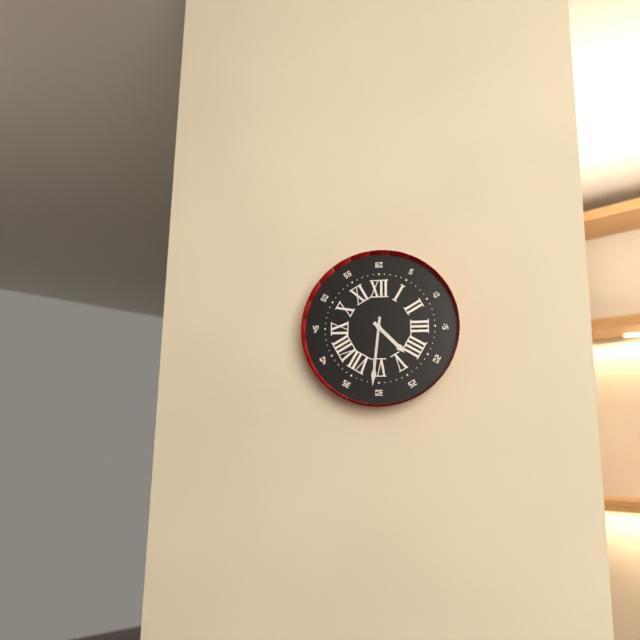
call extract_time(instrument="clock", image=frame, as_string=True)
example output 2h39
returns 4h31
